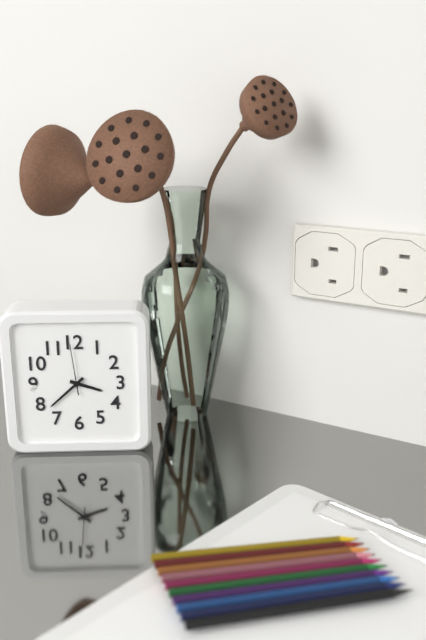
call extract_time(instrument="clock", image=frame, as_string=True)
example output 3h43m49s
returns 3h38m59s
